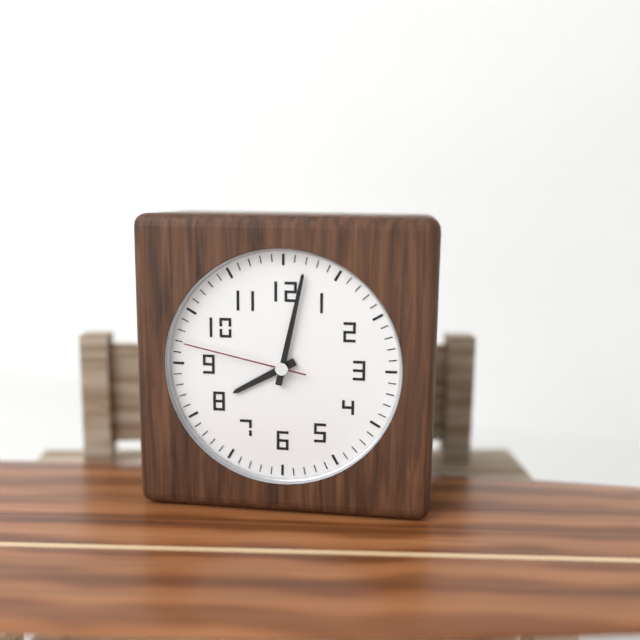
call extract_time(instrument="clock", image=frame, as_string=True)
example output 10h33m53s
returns 8h02m47s
